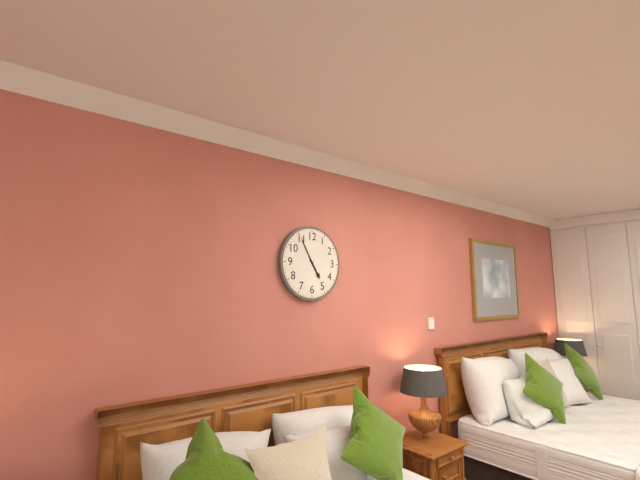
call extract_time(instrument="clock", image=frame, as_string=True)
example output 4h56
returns 4h55
